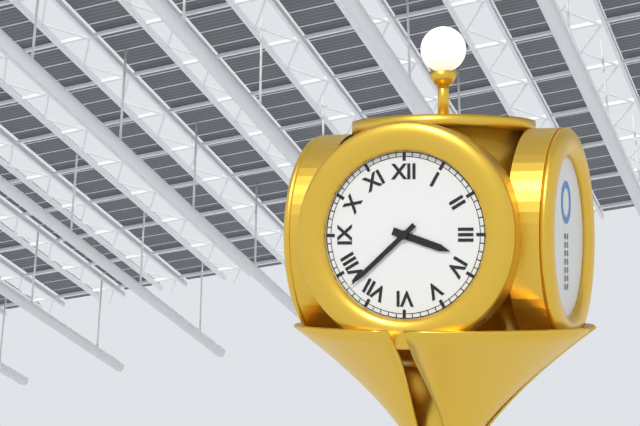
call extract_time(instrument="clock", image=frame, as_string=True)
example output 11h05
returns 3h38
